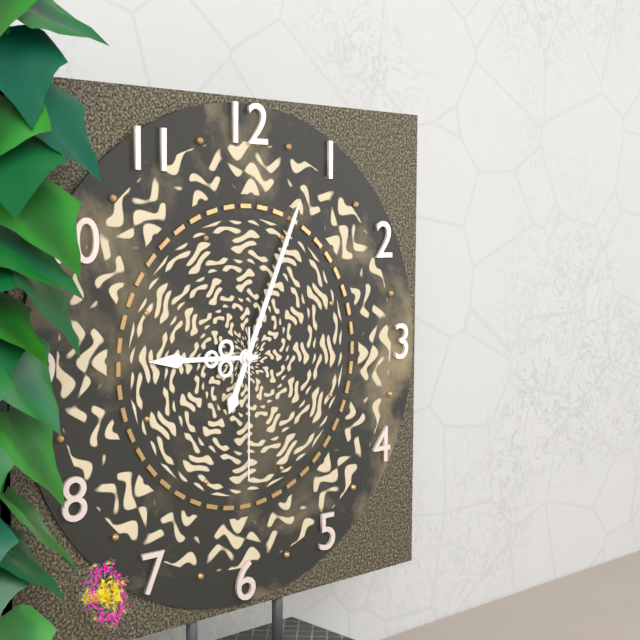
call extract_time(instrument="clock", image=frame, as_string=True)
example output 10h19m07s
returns 9h04m30s
